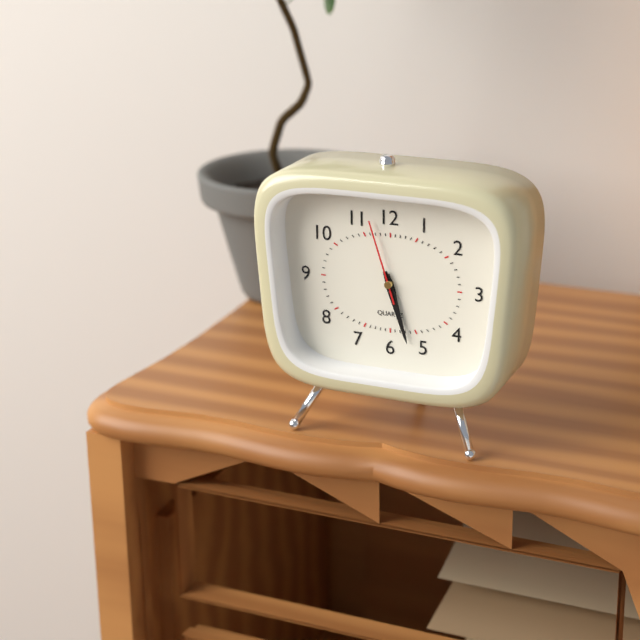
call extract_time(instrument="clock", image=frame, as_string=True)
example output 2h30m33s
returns 5h27m57s
